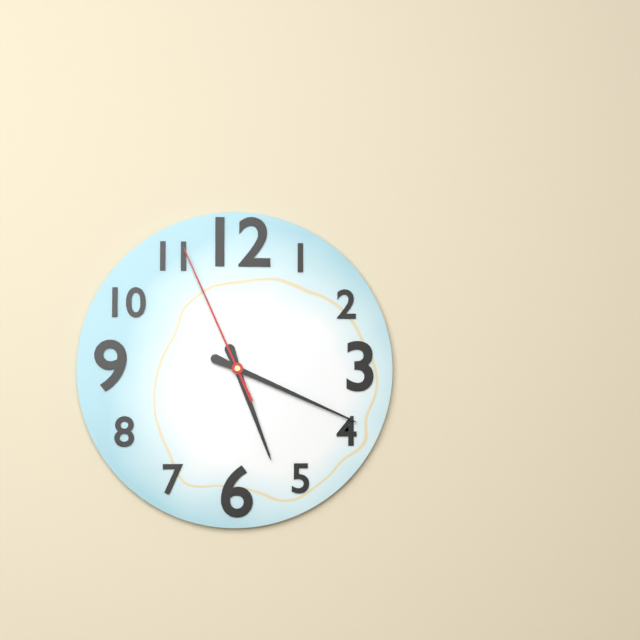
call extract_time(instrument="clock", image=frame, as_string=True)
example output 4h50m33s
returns 5h19m56s
